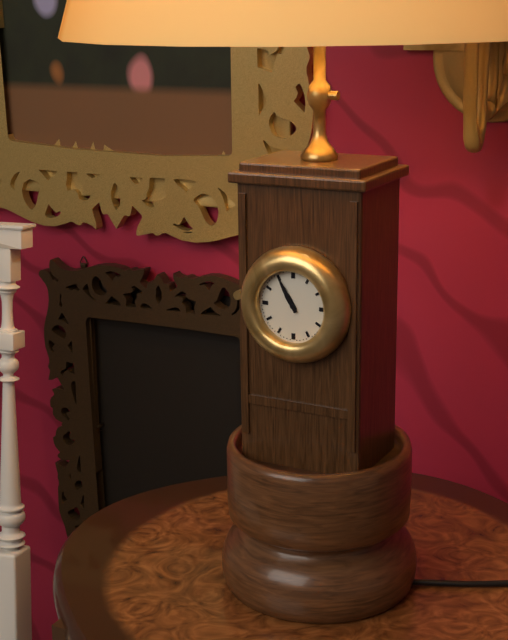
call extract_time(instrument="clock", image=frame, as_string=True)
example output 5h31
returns 10h55
